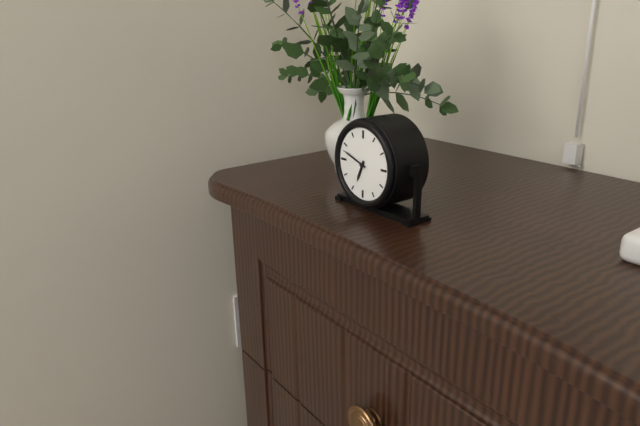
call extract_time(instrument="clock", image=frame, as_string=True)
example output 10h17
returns 6h48
